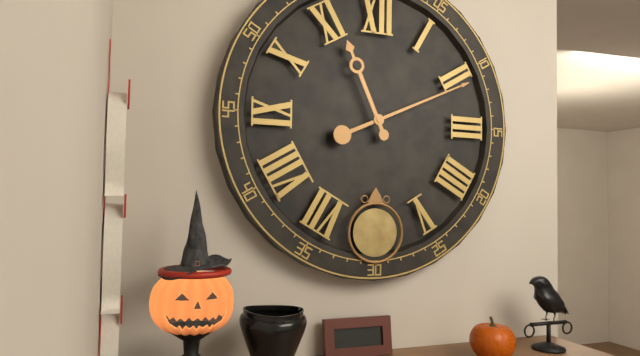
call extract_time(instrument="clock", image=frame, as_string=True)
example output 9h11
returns 11h11
